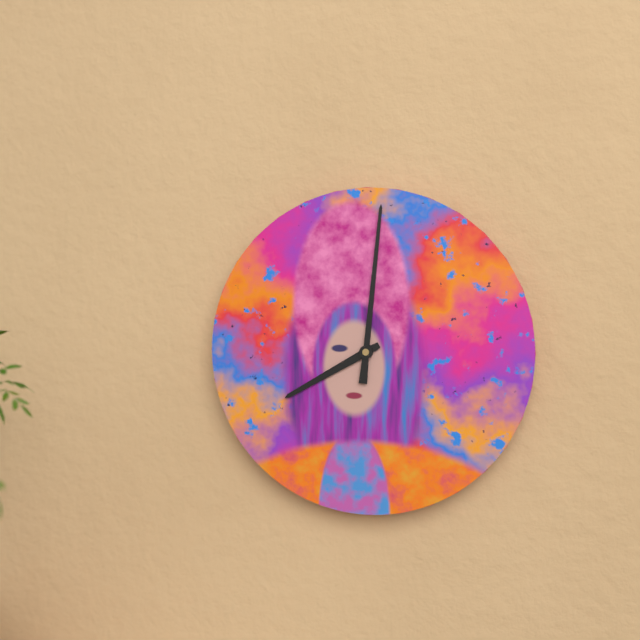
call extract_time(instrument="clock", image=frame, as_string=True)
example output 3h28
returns 8h01
